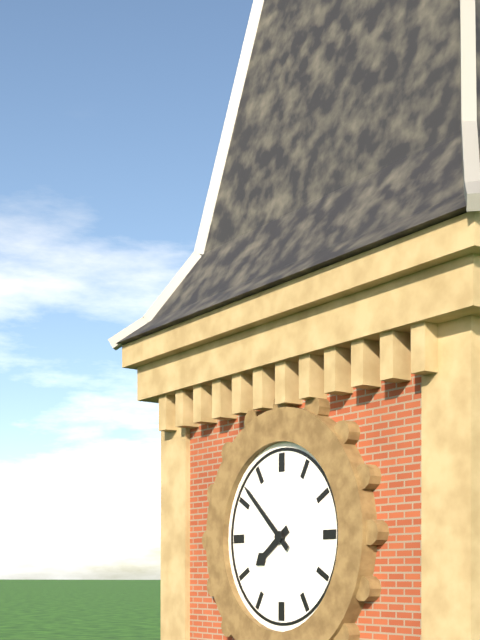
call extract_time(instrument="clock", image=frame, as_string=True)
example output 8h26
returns 7h52
